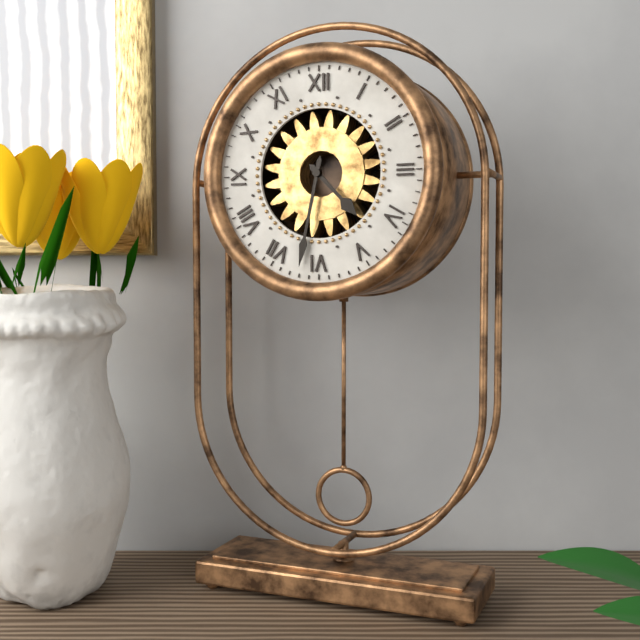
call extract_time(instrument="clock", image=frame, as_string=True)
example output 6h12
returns 4h32
